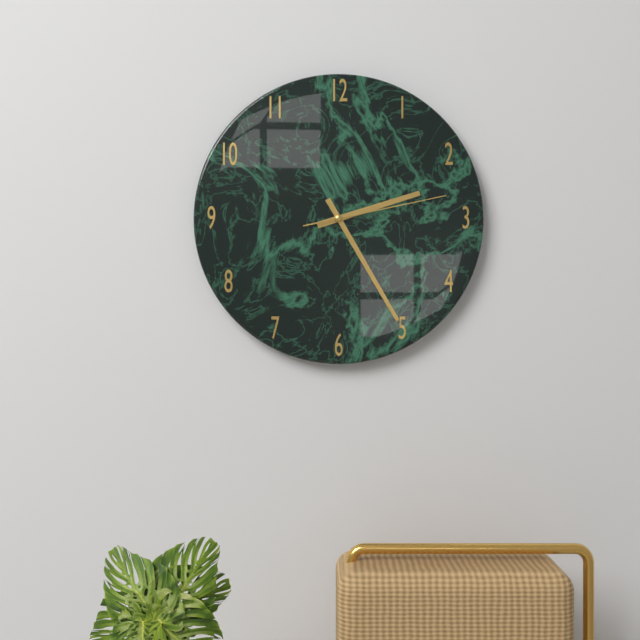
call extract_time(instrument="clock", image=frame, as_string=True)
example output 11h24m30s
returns 2h25m13s
